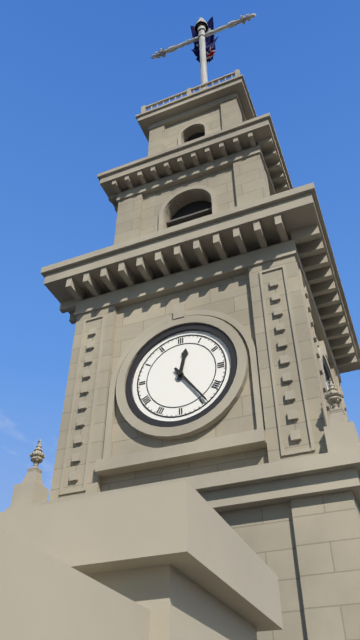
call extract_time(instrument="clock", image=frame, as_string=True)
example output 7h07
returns 12h24
